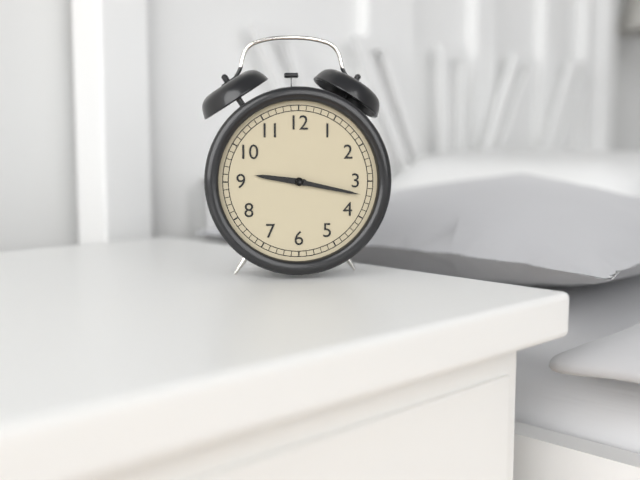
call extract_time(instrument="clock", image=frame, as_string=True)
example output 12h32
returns 9h17
